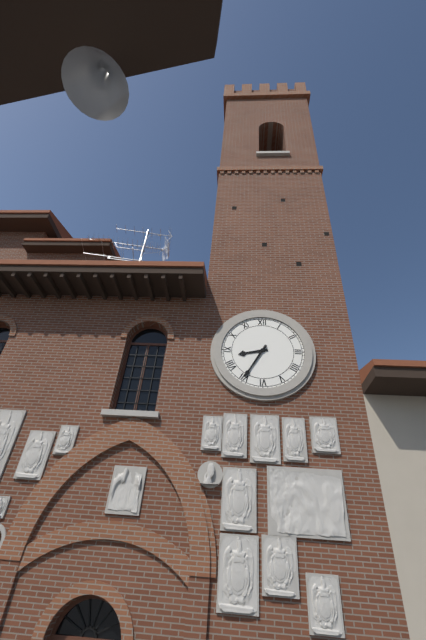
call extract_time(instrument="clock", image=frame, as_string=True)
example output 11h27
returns 8h35
